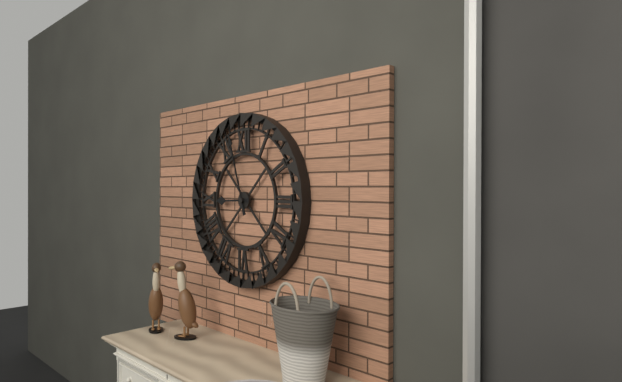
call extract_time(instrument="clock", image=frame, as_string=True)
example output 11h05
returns 8h57
